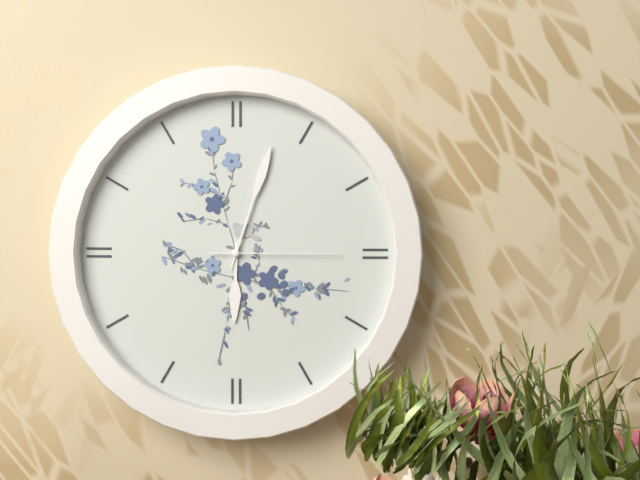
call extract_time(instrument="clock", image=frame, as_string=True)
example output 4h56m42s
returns 6h03m15s
